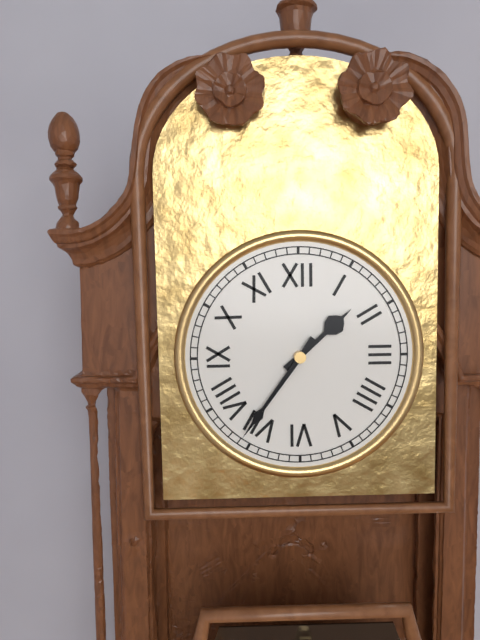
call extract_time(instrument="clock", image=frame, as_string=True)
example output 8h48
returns 1h36
